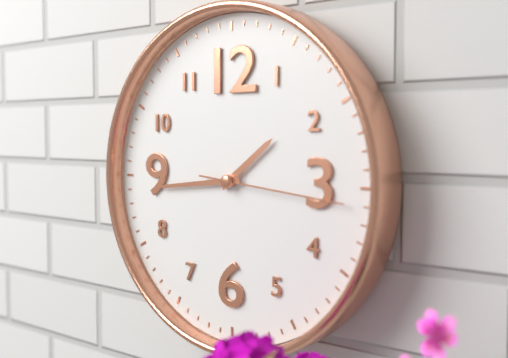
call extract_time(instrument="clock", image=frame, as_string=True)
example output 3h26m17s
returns 1h44m16s
